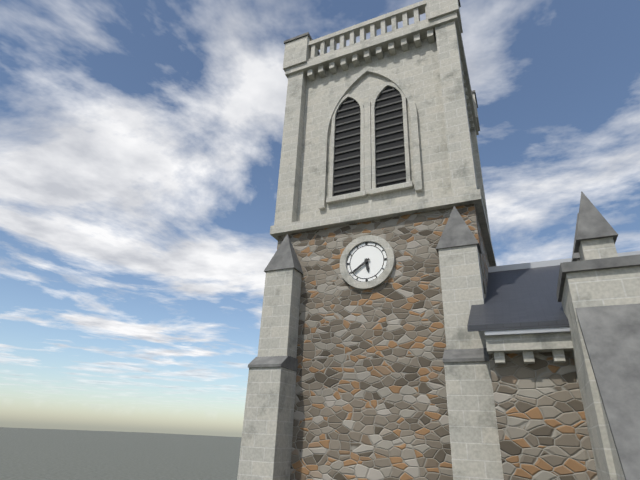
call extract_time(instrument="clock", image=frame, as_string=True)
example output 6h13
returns 5h39
